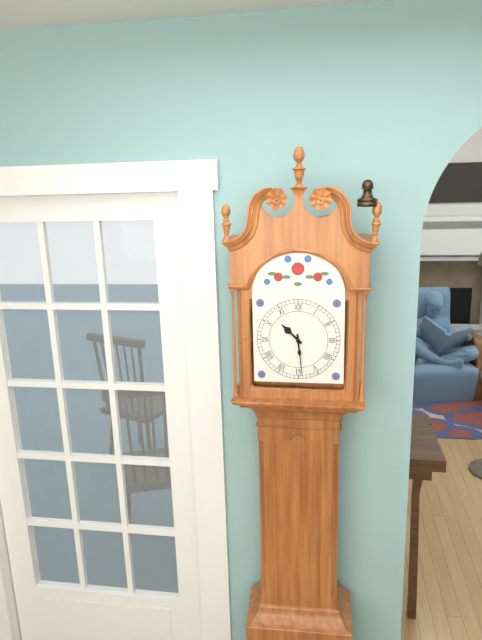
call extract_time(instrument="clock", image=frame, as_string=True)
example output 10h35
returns 10h29
